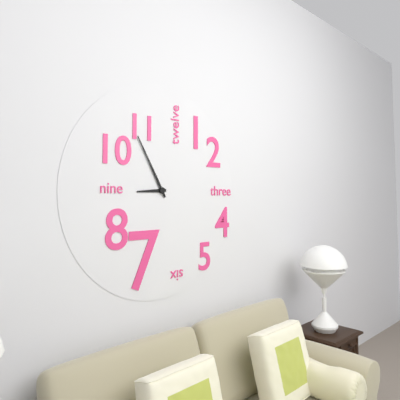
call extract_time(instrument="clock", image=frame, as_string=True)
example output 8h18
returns 8h55
